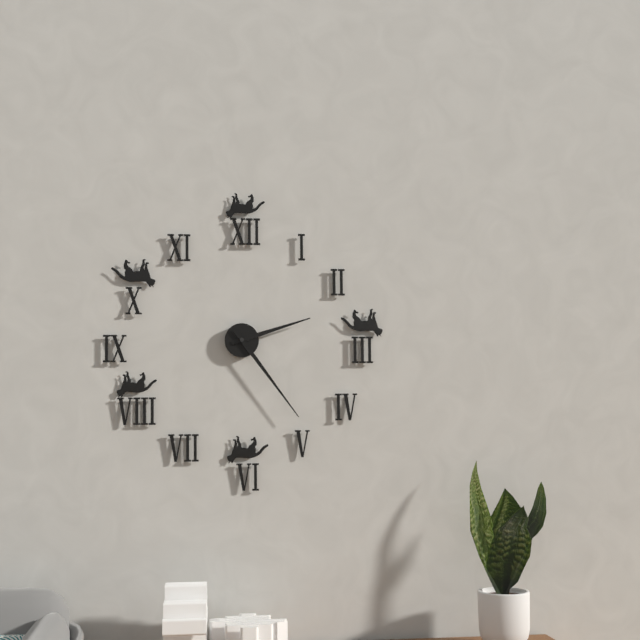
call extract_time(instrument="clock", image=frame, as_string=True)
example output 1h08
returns 2h24
